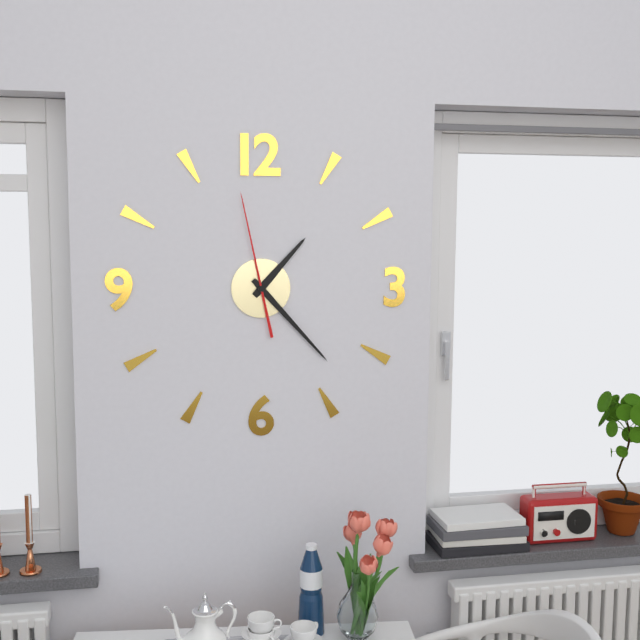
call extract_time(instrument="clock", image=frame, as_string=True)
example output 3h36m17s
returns 1h23m58s
